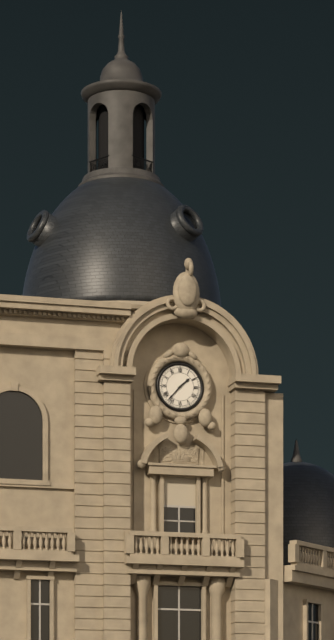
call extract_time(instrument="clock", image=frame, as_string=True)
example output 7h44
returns 1h37
